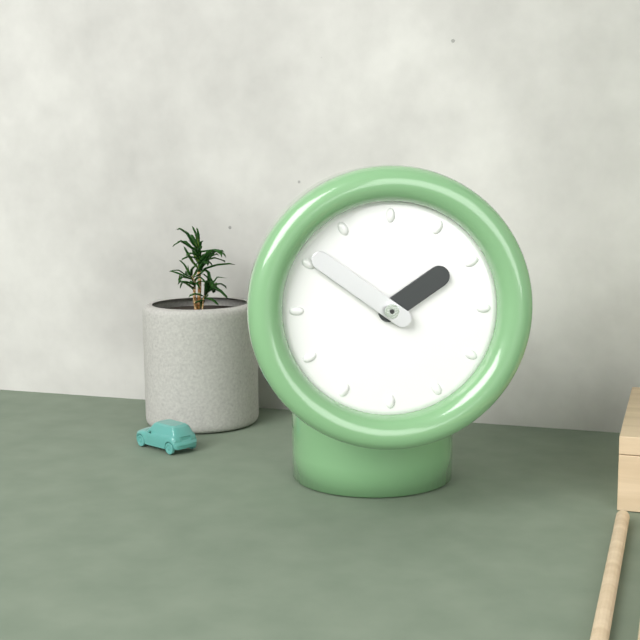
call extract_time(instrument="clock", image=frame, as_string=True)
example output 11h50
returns 1h51
